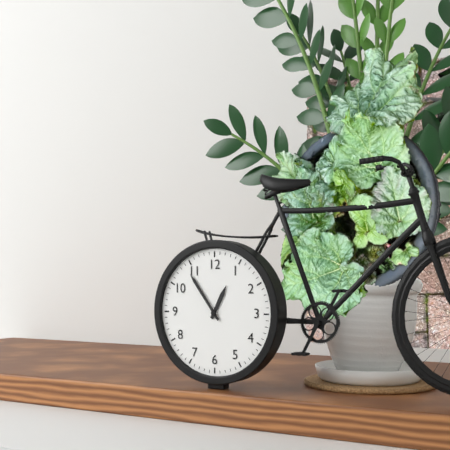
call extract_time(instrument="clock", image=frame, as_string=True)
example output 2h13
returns 12h54
